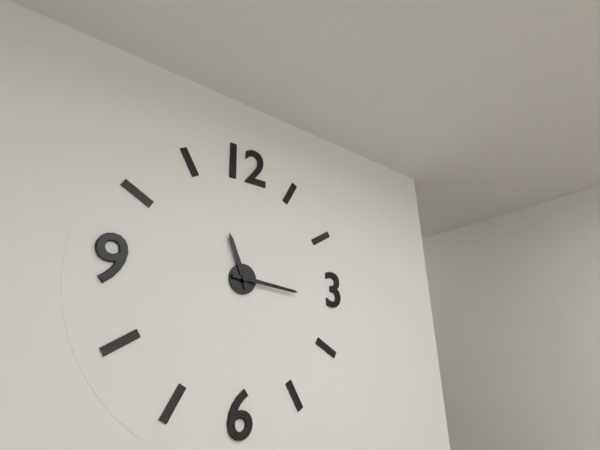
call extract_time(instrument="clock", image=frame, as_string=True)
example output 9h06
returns 11h16
